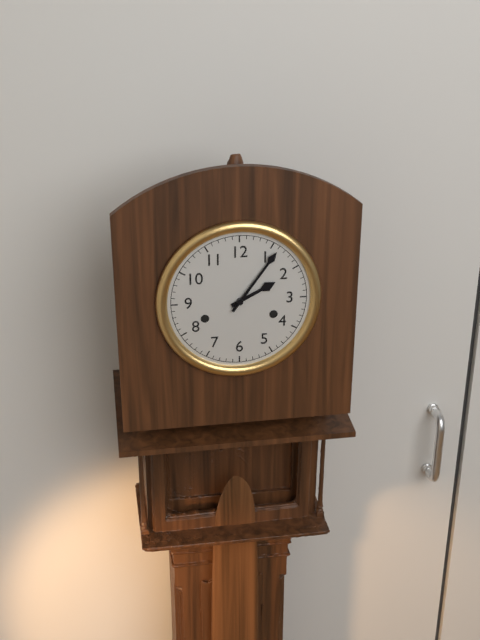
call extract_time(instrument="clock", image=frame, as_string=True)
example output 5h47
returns 2h06
